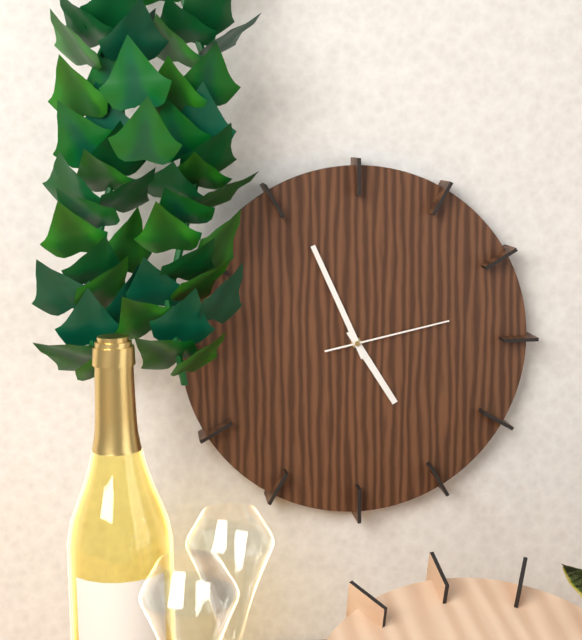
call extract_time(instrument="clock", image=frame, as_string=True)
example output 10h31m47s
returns 4h56m13s
